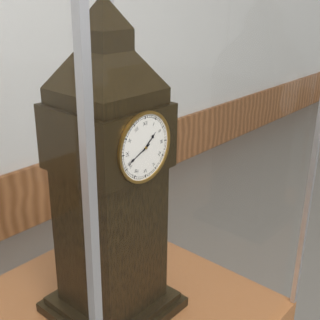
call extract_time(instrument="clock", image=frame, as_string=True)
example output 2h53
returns 1h41
